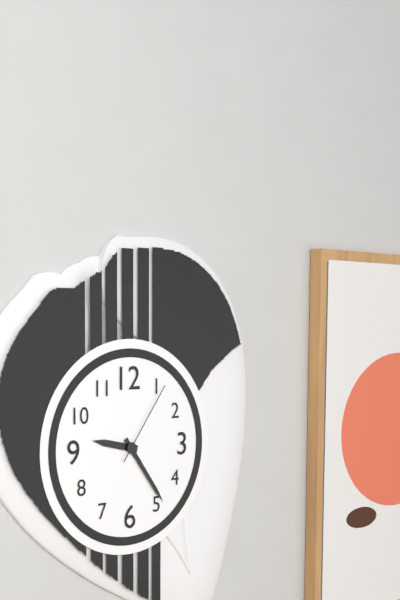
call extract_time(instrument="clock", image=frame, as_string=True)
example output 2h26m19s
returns 9h24m06s
